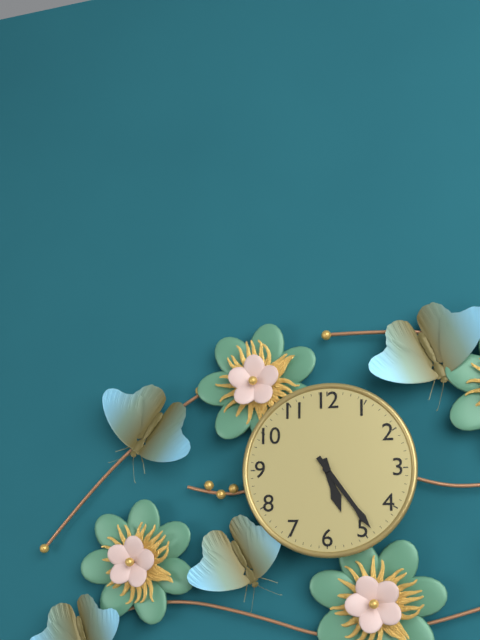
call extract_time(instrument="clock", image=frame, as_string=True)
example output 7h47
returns 5h24
